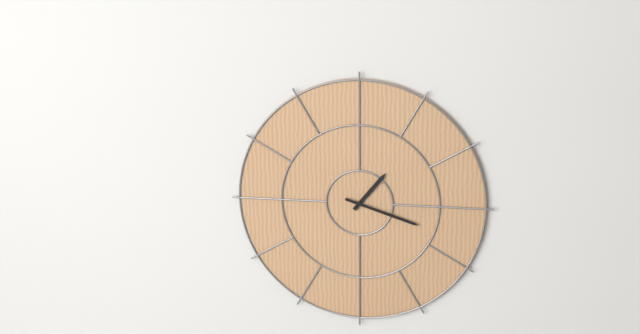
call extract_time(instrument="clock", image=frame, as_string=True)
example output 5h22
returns 1h18
